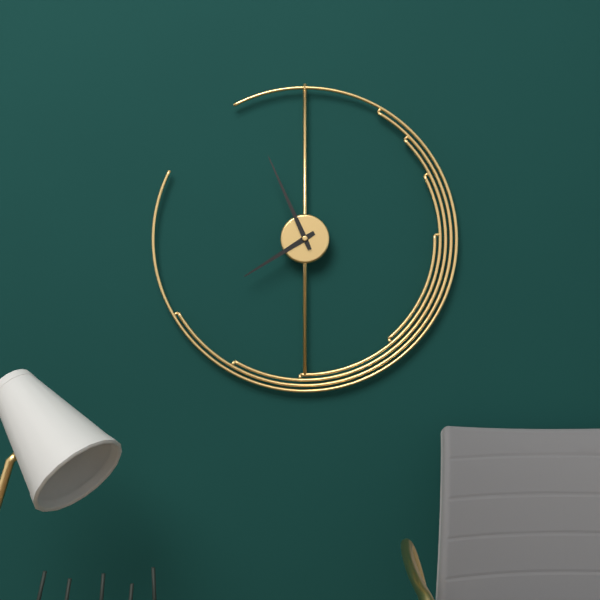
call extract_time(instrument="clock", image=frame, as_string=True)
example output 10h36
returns 7h56
